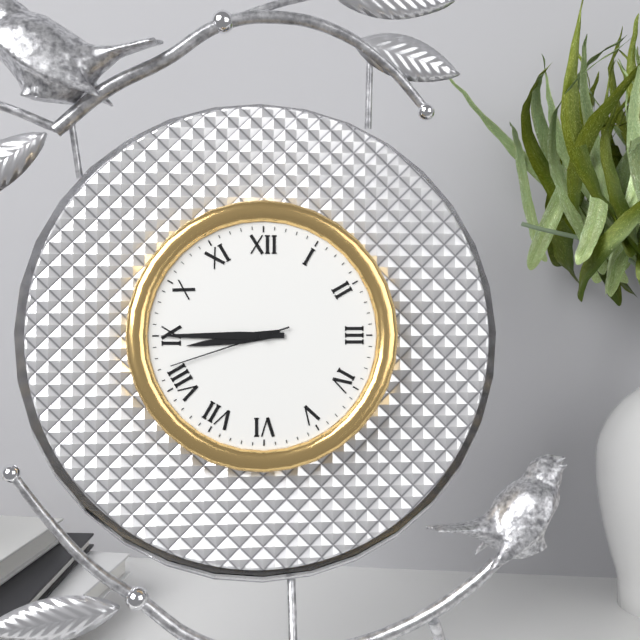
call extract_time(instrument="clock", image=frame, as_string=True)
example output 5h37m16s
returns 8h45m42s
